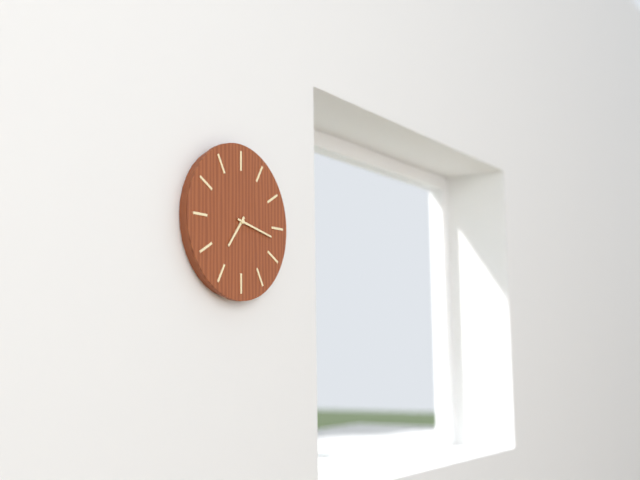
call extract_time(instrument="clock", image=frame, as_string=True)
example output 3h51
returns 7h17
